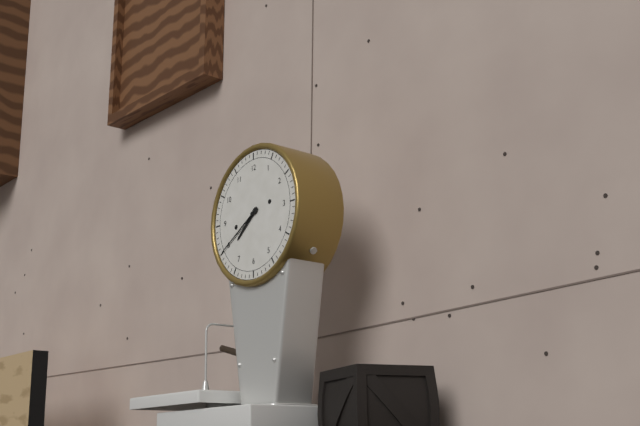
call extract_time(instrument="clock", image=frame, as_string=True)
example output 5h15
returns 7h40
